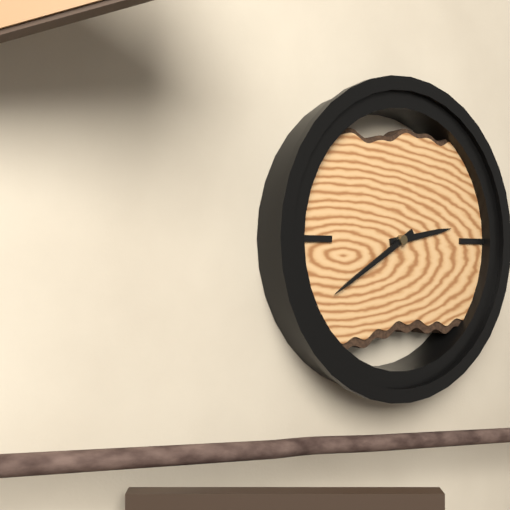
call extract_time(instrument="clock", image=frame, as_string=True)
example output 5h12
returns 2h40
